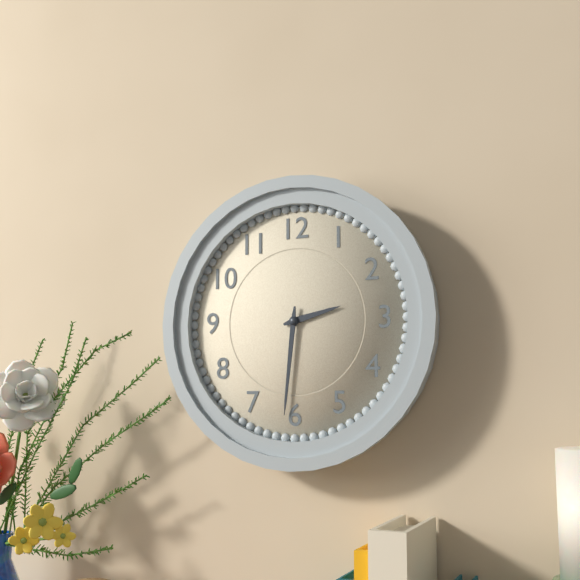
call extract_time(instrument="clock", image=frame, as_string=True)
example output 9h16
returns 2h31
